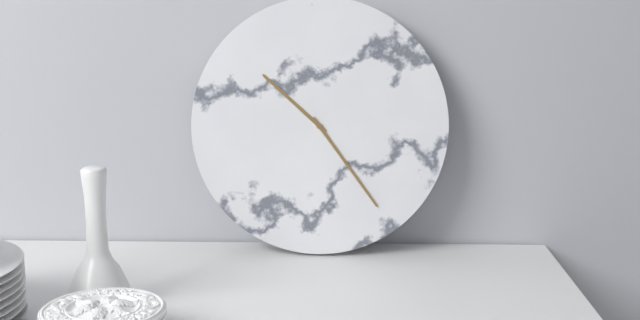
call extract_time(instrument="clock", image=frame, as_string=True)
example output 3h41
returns 10h24
